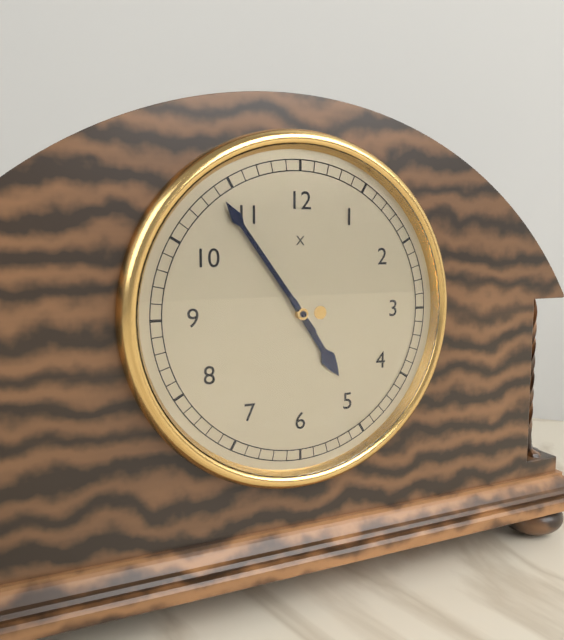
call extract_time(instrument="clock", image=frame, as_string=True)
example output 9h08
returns 4h54
